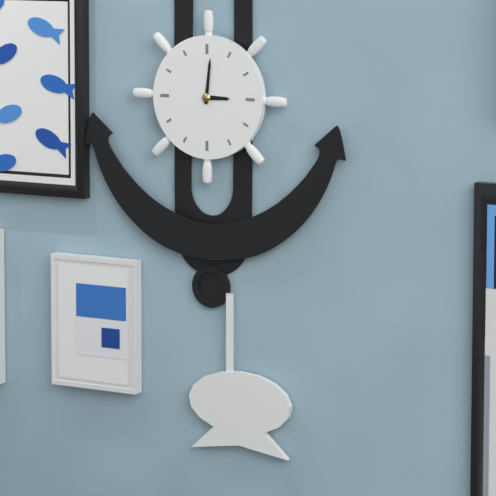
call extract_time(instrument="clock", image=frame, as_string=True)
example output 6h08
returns 3h01
